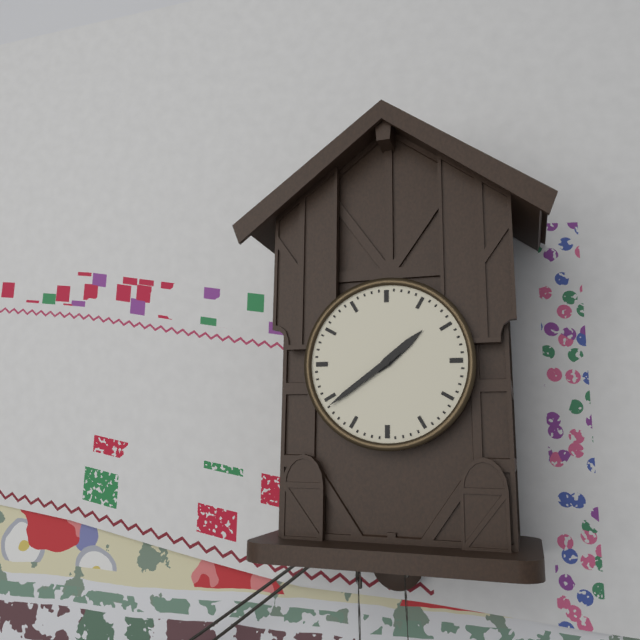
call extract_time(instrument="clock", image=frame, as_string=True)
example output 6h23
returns 1h39
